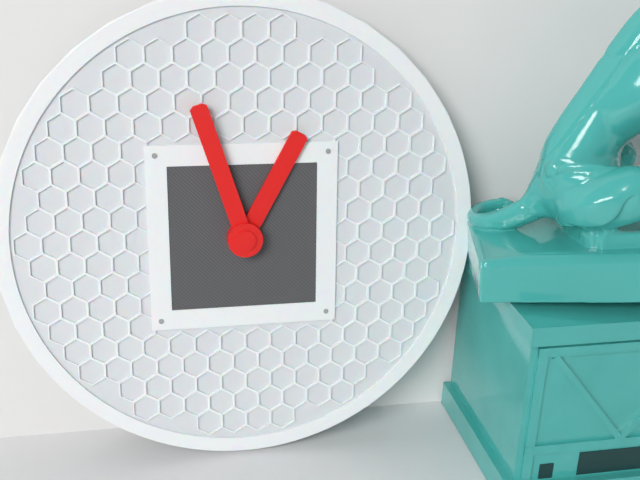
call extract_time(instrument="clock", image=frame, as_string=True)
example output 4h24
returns 12h57
